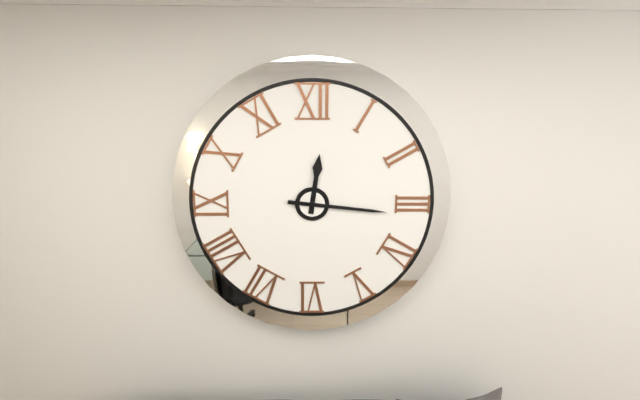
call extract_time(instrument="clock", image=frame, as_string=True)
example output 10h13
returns 12h16
